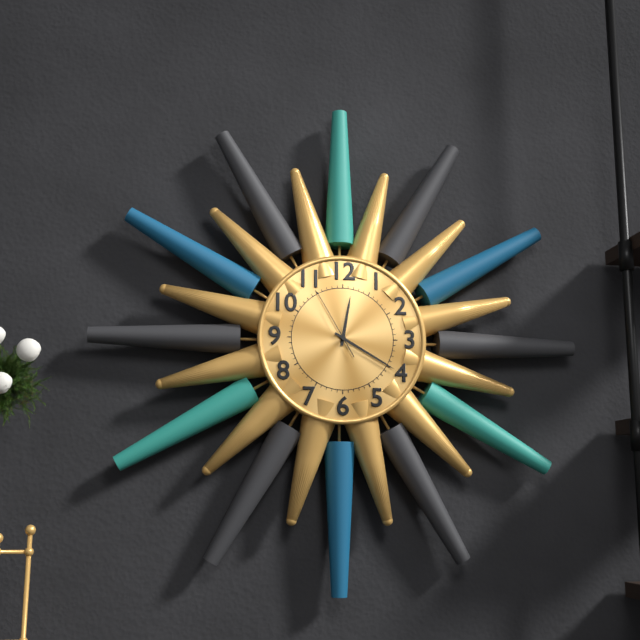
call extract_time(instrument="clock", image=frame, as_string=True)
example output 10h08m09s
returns 12h20m55s
